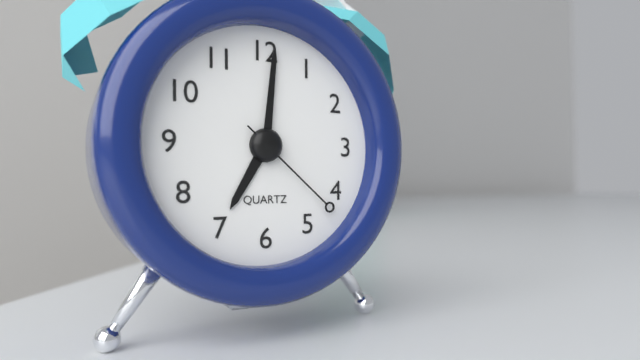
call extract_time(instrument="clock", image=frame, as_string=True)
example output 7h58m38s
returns 7h01m22s
